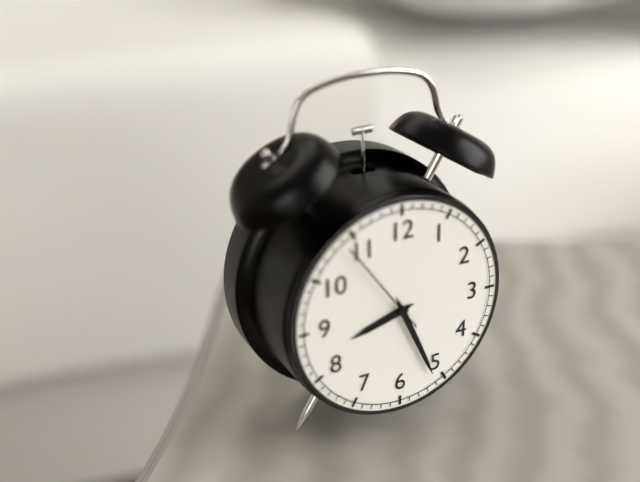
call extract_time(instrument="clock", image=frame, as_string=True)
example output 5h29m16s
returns 8h26m54s
